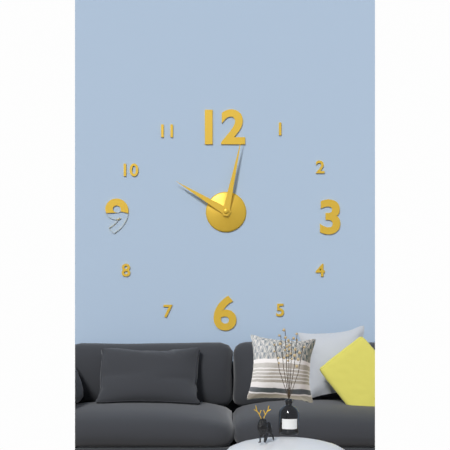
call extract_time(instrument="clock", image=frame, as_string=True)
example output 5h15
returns 10h02
